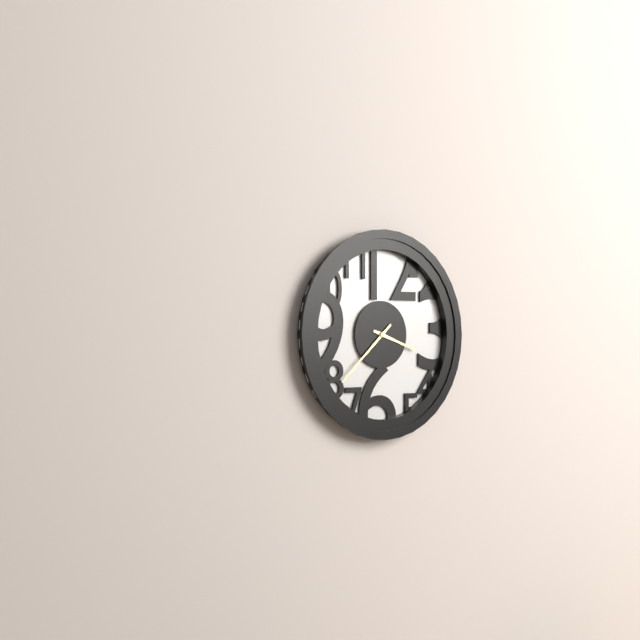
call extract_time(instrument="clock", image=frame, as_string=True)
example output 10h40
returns 3h38
